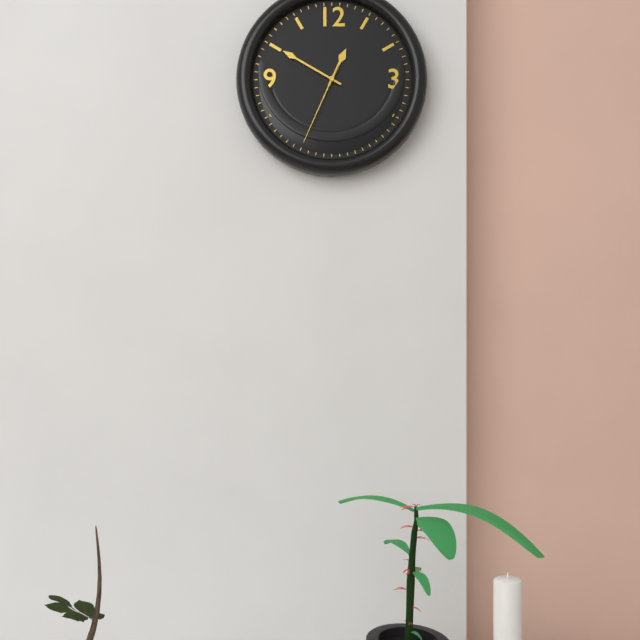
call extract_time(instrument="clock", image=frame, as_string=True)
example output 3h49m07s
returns 12h50m34s
